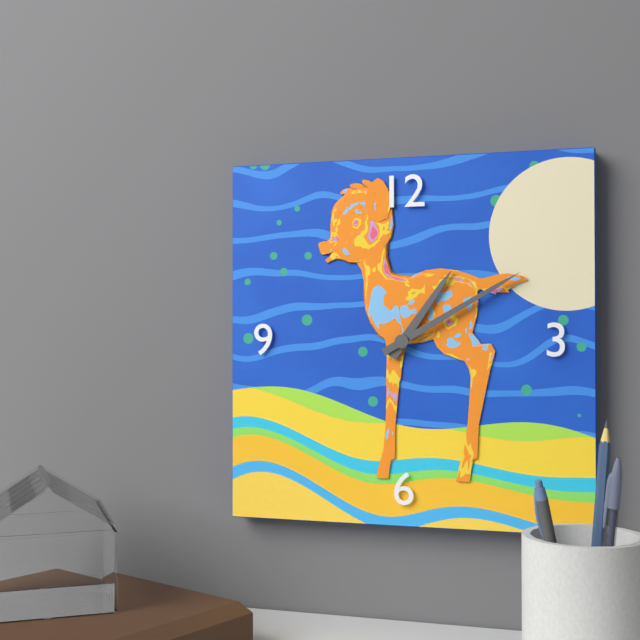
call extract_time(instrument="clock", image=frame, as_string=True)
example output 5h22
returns 1h10
